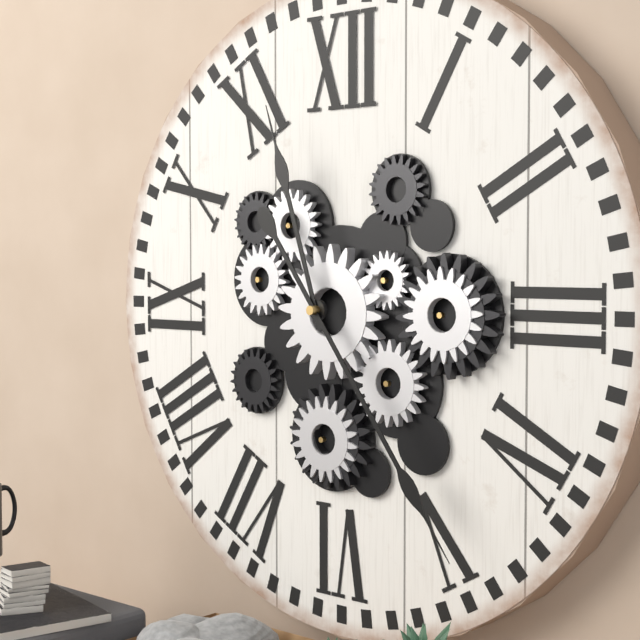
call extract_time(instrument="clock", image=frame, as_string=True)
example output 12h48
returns 11h24
